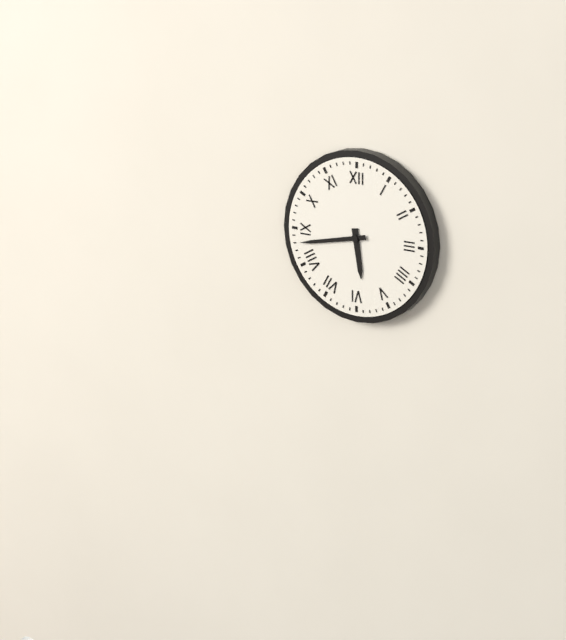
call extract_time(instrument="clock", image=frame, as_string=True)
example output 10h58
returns 5h43
